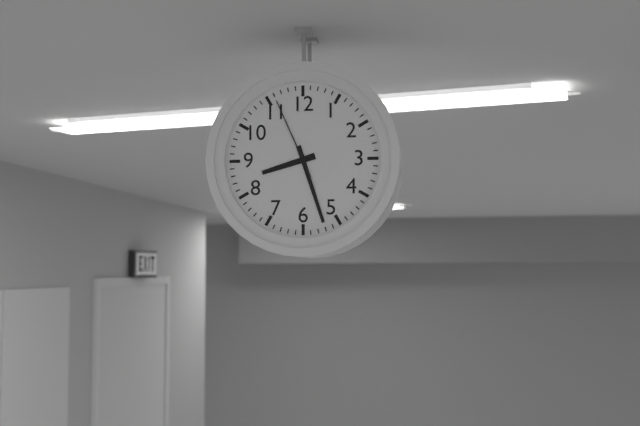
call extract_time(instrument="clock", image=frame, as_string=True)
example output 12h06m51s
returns 8h27m56s
